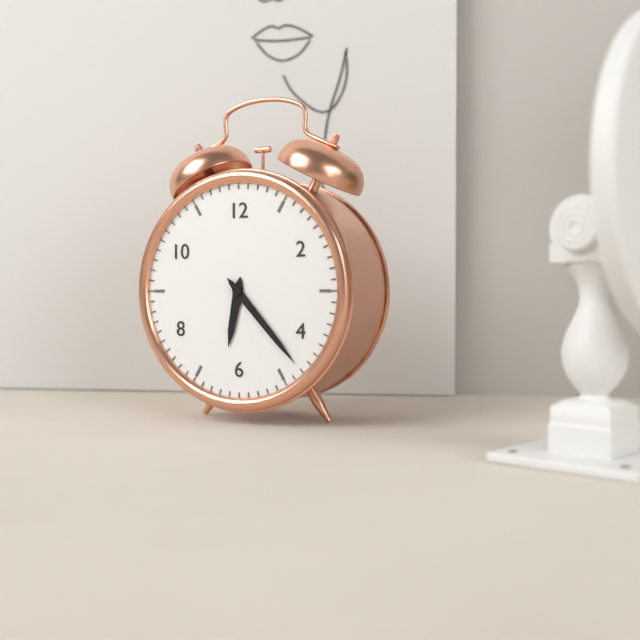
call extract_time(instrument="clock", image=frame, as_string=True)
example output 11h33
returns 6h23
